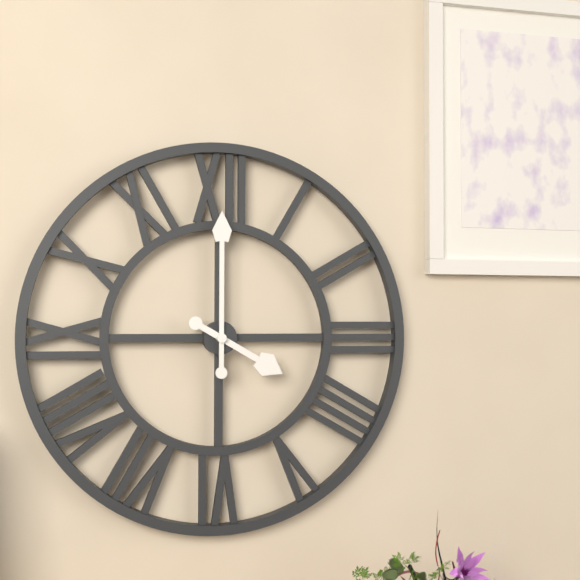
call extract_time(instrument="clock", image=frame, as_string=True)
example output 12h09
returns 4h00
